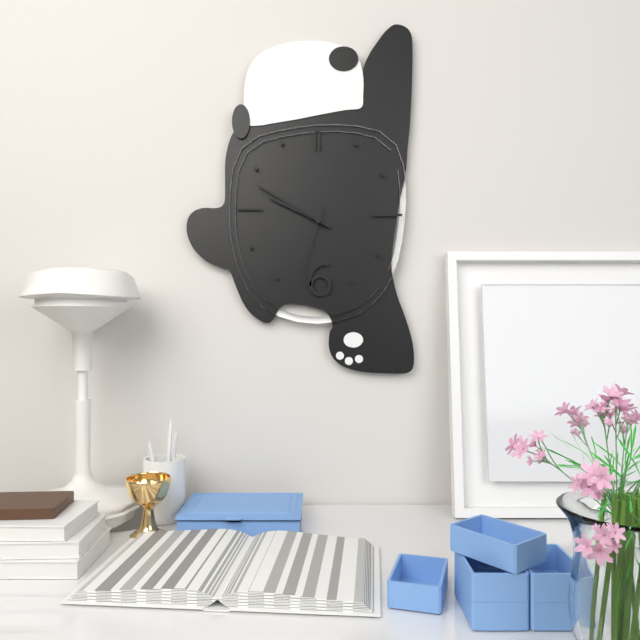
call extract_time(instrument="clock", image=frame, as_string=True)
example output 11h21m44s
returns 9h50m33s
